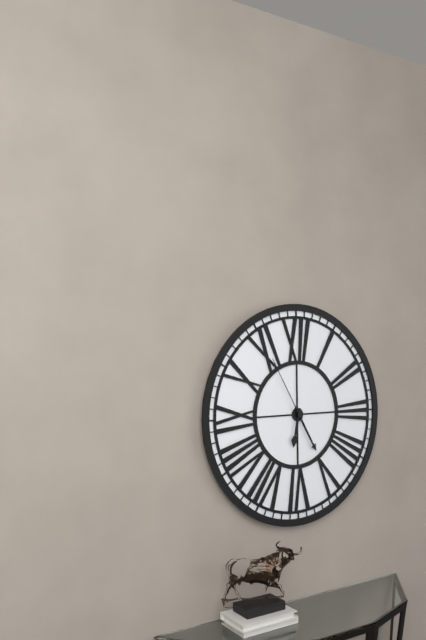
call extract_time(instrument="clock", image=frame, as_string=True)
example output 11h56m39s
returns 6h25m55s
